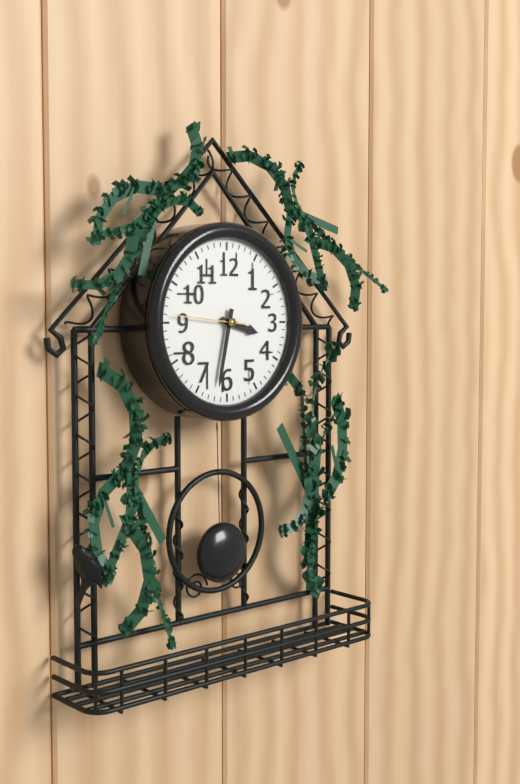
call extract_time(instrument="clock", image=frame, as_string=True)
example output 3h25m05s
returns 3h32m46s
